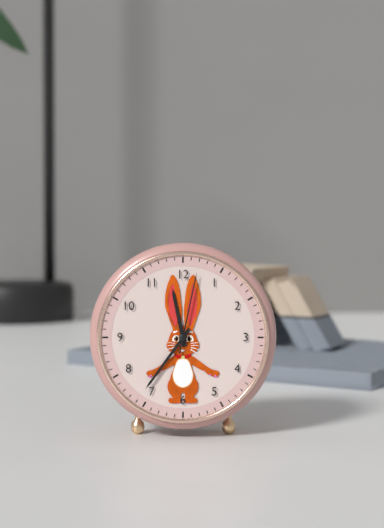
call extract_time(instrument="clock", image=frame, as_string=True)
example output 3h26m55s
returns 11h36m02s
